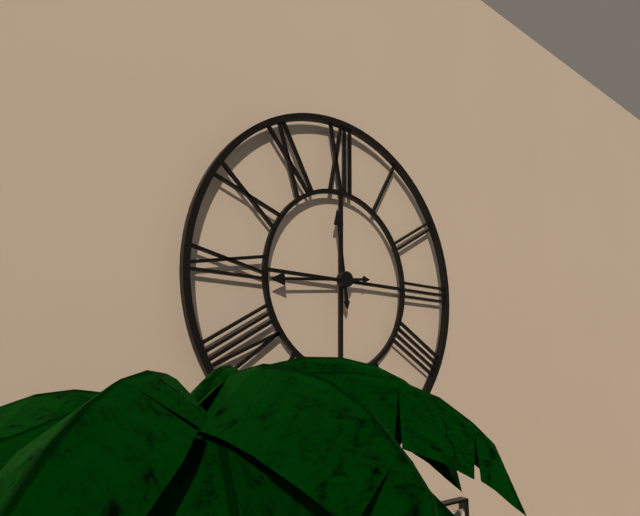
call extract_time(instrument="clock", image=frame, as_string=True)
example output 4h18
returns 11h44
